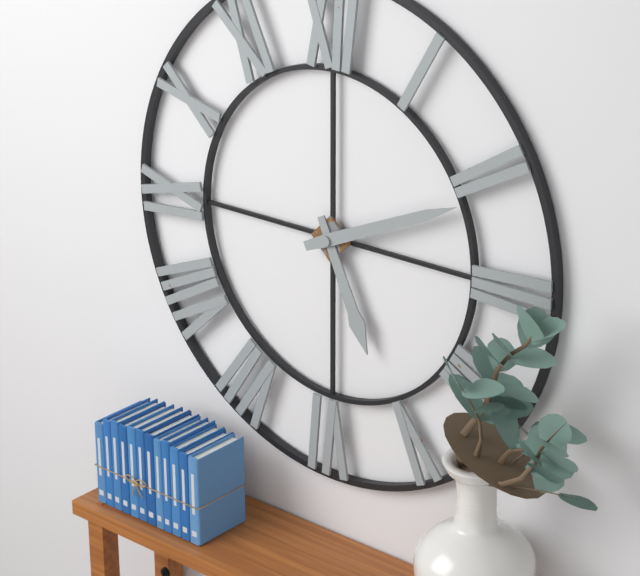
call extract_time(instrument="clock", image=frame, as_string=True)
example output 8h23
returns 5h11
